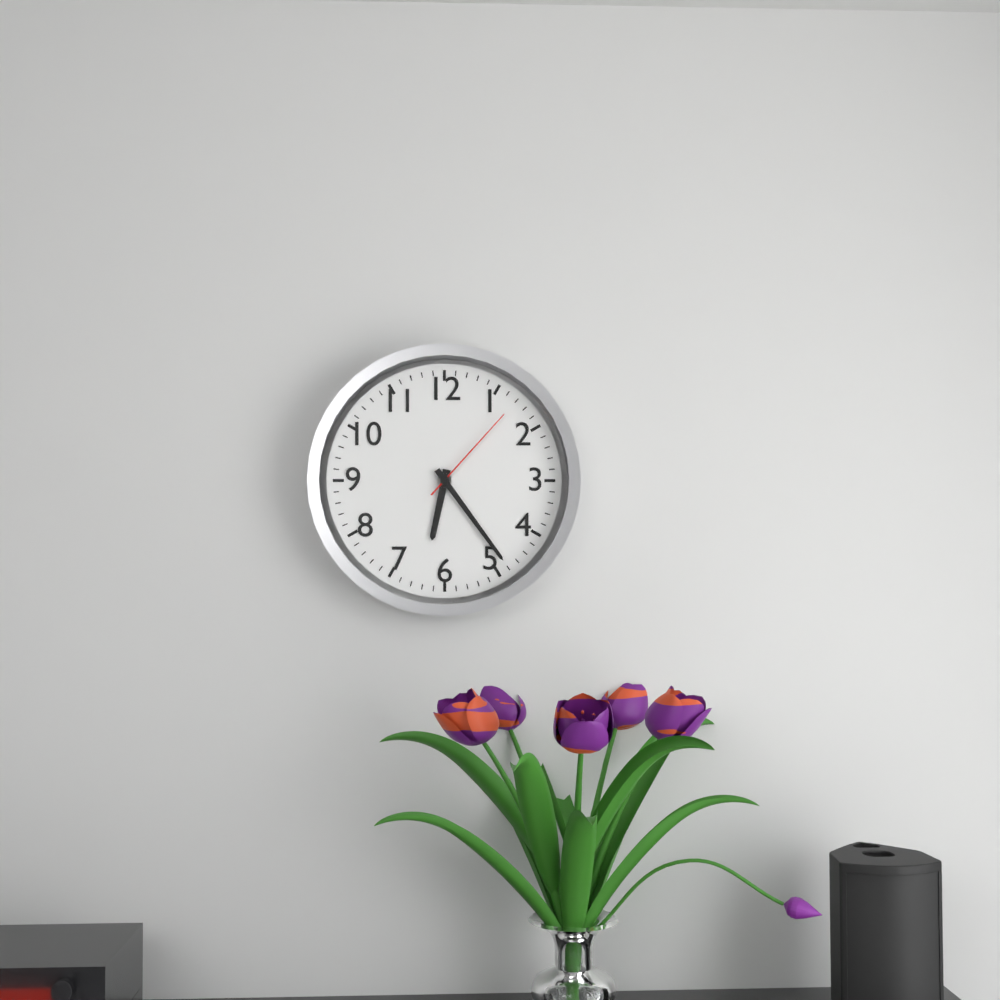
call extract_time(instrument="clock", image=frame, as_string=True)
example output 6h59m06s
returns 6h24m07s
